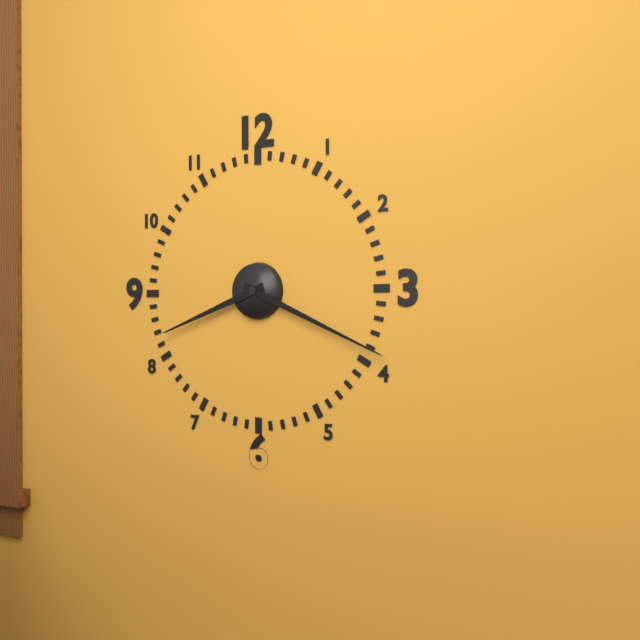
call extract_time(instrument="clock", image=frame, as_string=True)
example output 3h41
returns 8h19
